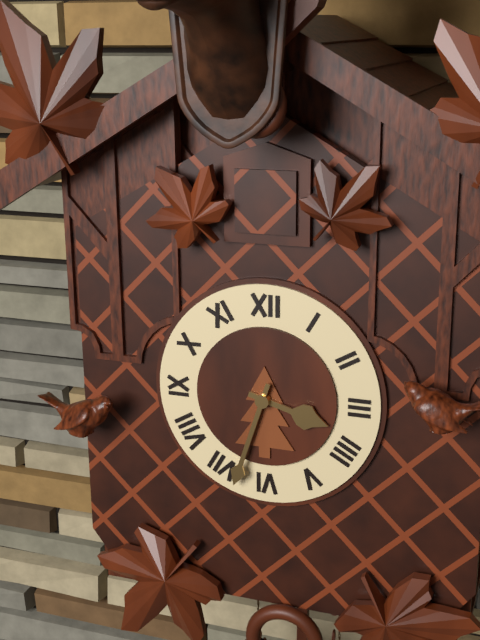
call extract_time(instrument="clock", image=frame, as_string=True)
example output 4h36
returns 3h33
